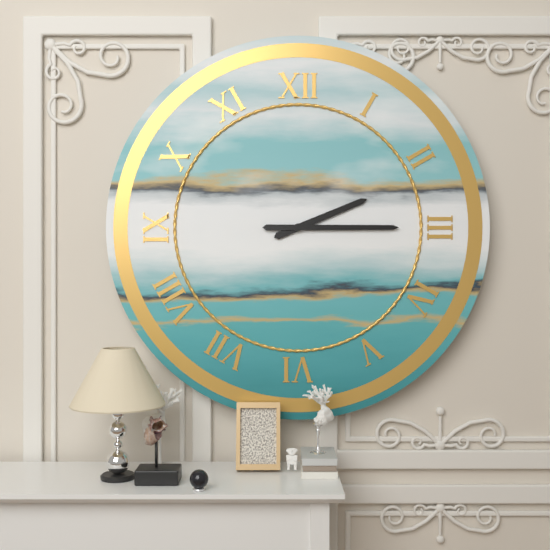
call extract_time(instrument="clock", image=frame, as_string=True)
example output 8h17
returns 2h15
